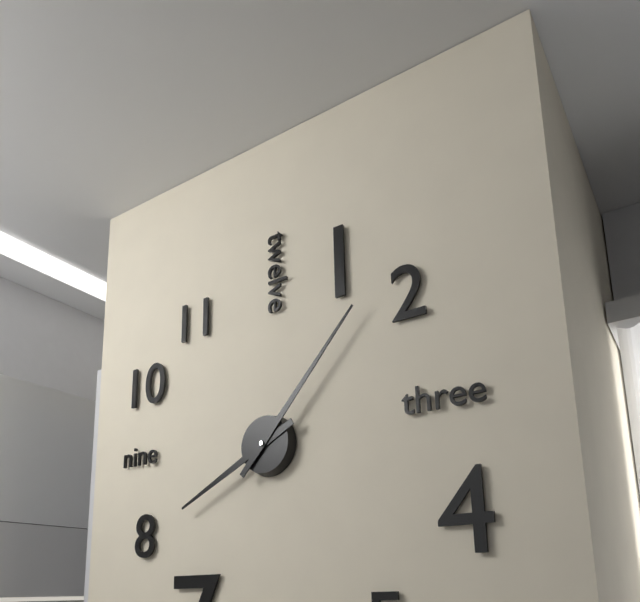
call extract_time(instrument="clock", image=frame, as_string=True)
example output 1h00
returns 8h07
